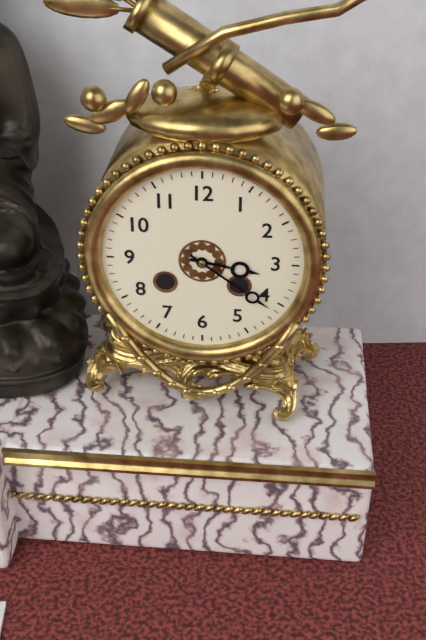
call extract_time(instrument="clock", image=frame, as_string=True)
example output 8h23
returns 3h21
